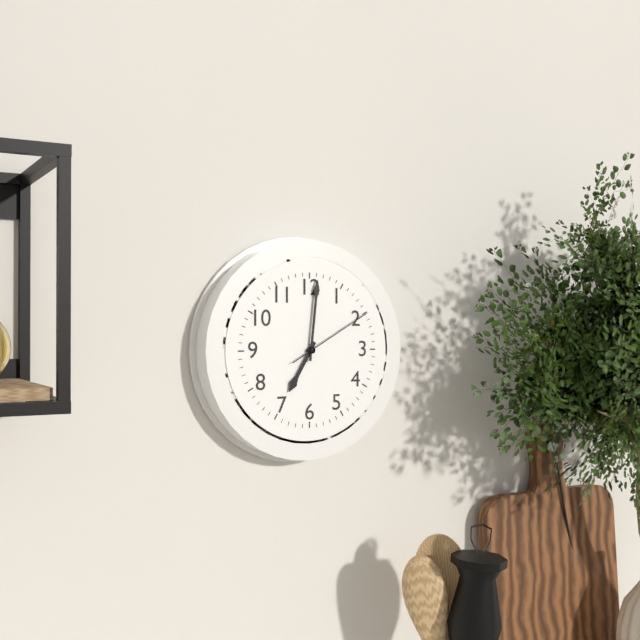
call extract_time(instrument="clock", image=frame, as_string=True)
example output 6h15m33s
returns 7h01m10s
